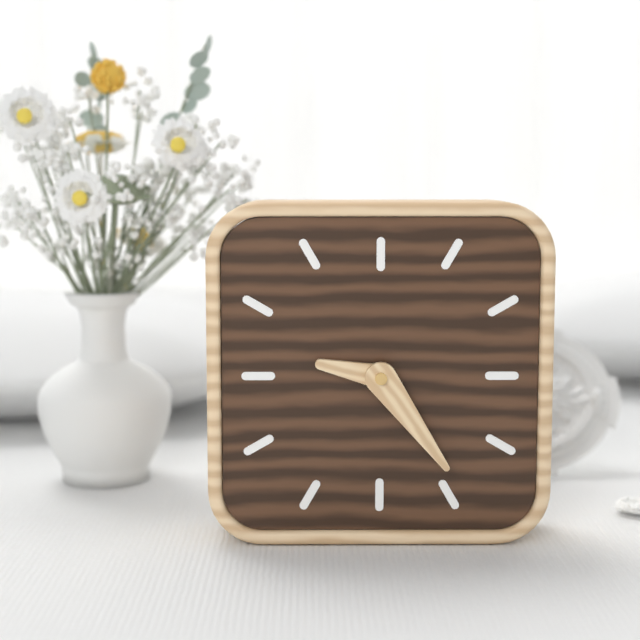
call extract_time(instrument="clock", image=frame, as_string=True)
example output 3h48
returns 9h24
